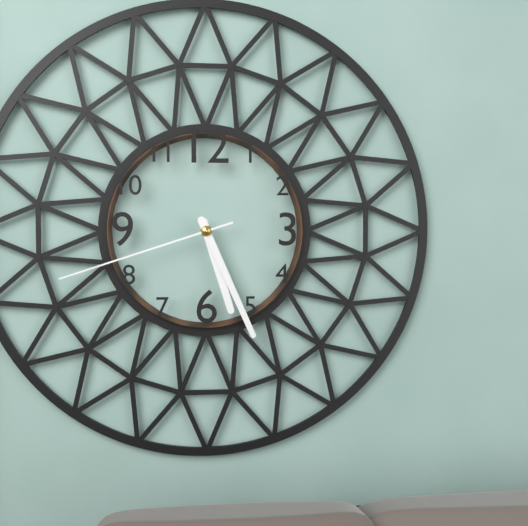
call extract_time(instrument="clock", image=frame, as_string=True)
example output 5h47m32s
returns 5h26m42s
